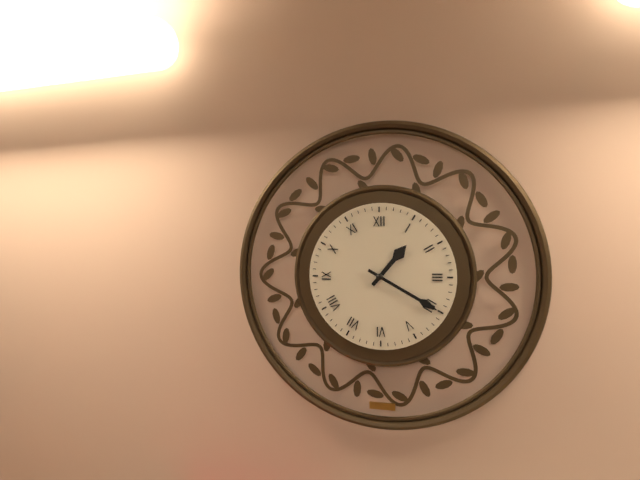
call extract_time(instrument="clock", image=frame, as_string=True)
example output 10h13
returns 1h20
